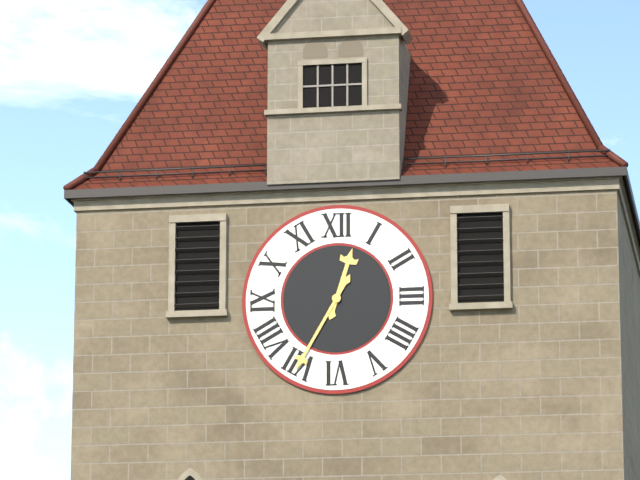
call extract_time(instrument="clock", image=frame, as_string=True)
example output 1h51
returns 12h35
